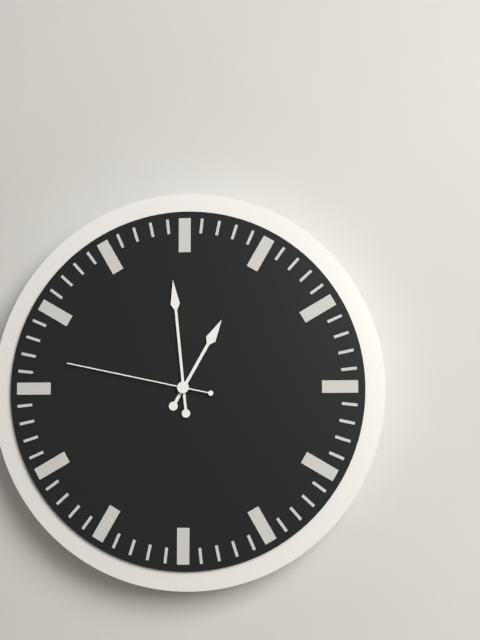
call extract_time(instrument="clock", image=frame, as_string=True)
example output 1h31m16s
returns 12h59m47s
